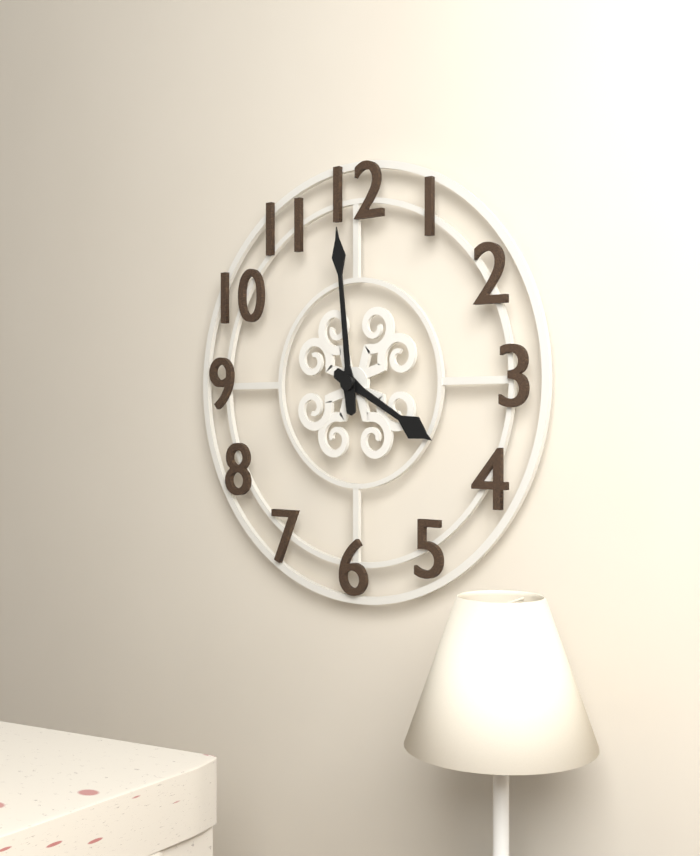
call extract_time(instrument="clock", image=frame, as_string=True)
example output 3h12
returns 3h59
